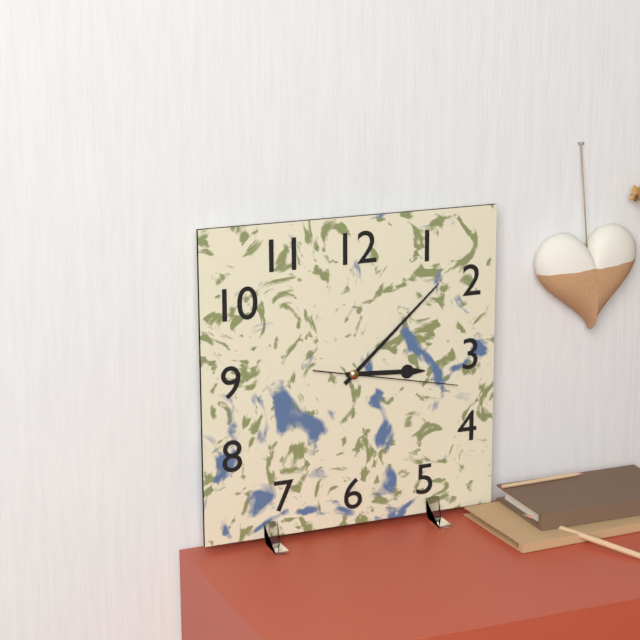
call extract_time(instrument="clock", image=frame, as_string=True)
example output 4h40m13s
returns 3h08m17s
